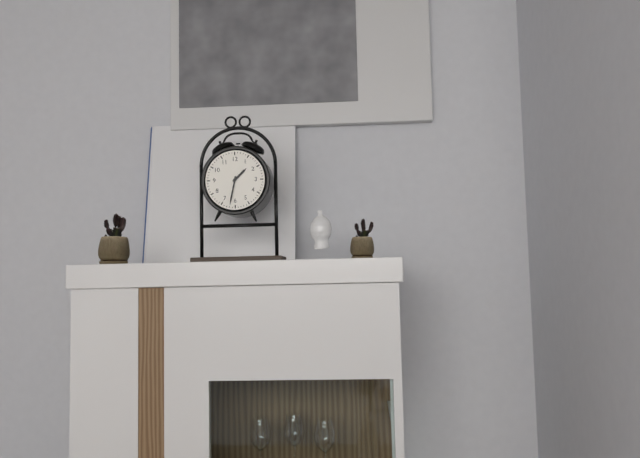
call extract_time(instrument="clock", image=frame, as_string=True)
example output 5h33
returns 1h32
